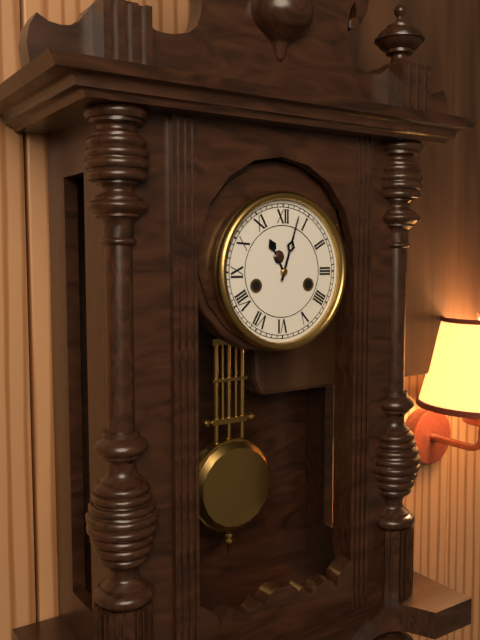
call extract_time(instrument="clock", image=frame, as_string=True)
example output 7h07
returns 11h03
